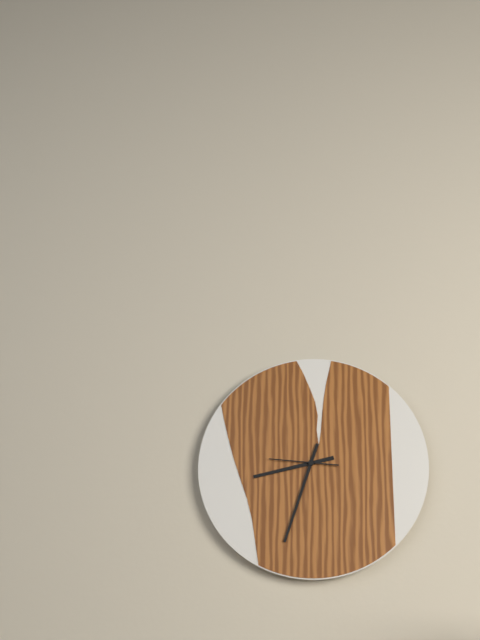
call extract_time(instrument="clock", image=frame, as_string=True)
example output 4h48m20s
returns 8h33m46s
